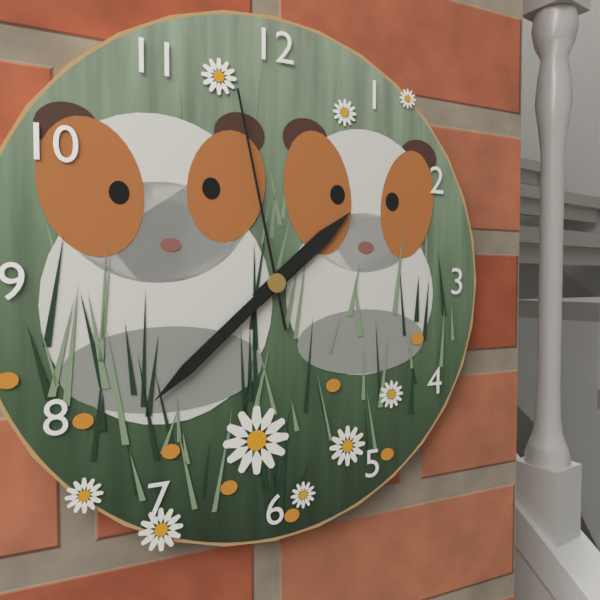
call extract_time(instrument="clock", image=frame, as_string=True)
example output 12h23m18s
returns 1h38m58s
